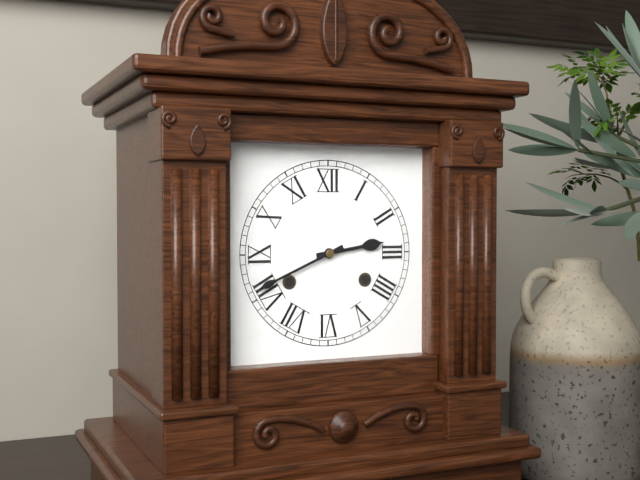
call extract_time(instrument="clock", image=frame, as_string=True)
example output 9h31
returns 2h41
